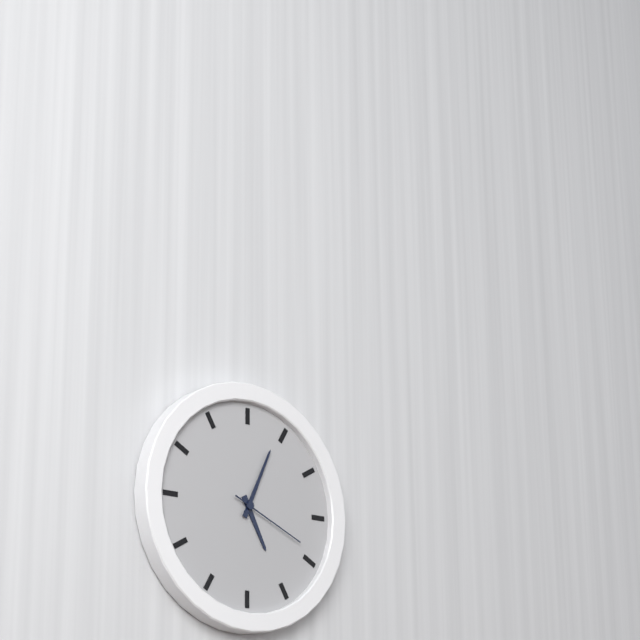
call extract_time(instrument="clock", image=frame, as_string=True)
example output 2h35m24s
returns 5h04m19s
